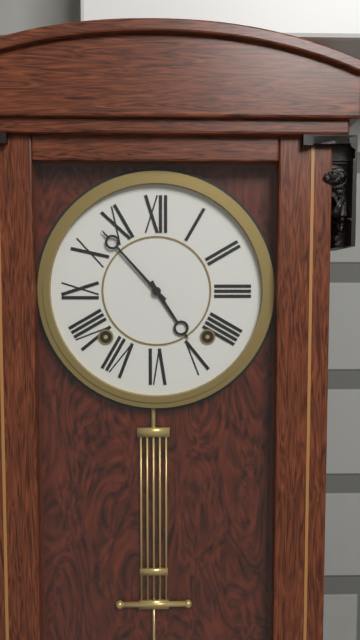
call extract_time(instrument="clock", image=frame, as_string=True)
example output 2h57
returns 4h53
